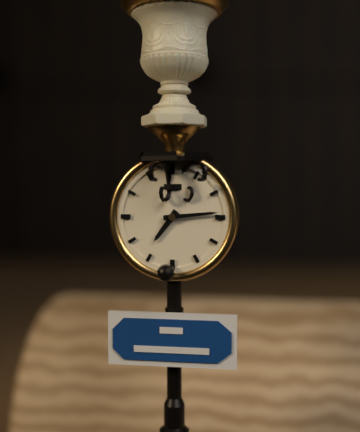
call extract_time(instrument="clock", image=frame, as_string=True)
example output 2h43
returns 7h14
